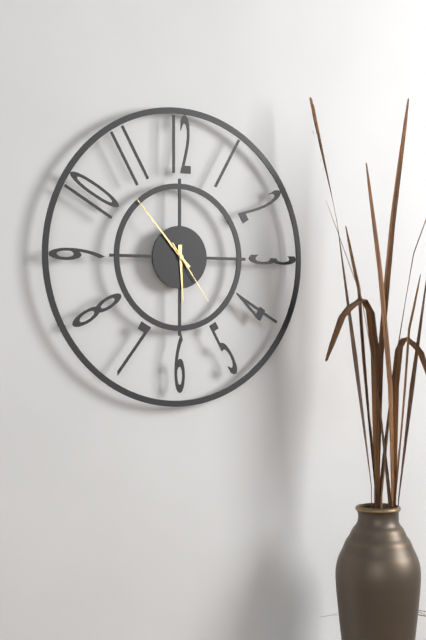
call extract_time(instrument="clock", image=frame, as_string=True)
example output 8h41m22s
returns 5h53m24s
